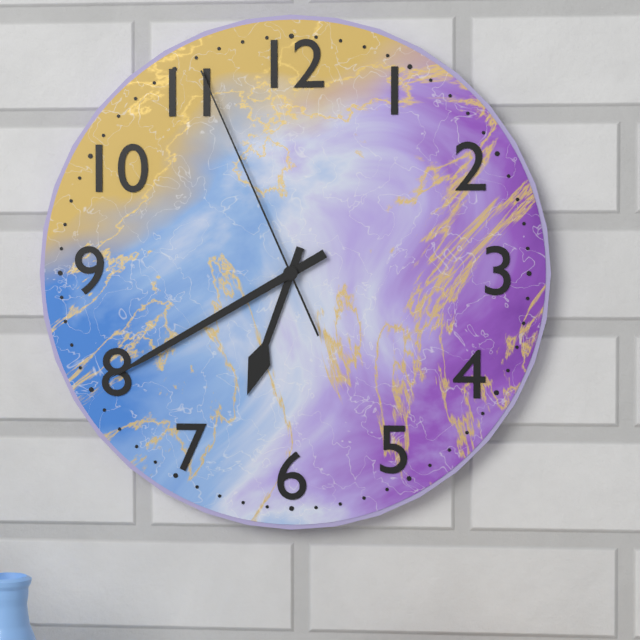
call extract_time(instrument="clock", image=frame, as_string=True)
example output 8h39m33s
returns 6h40m56s
